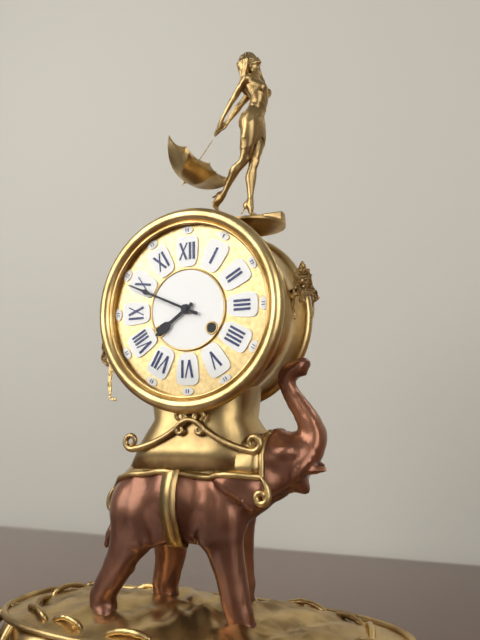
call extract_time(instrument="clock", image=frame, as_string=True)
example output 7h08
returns 7h49
